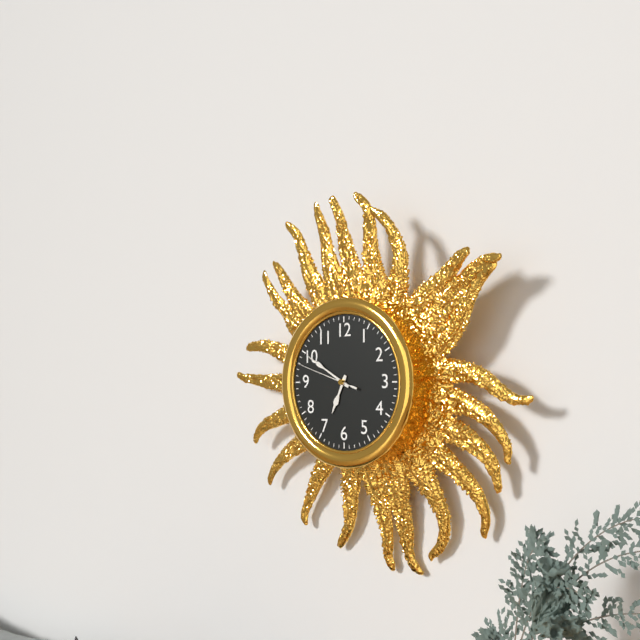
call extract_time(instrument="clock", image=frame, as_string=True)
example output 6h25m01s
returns 6h50m48s
